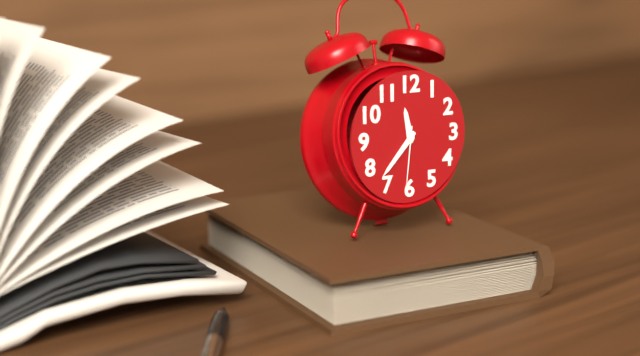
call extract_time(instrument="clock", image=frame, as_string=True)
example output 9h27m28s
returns 11h37m31s
